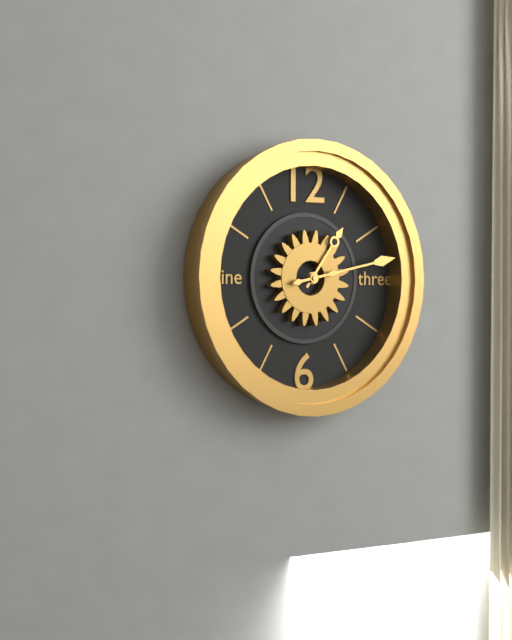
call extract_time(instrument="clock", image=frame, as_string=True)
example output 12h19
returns 1h13
